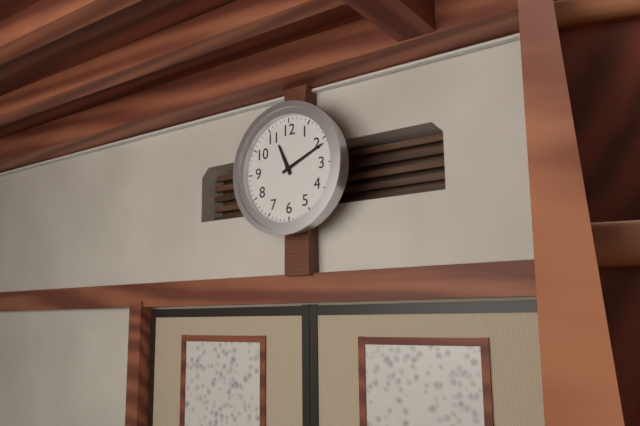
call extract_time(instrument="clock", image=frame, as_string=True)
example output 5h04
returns 11h11
